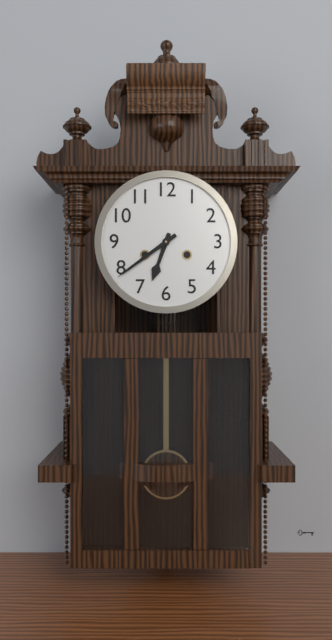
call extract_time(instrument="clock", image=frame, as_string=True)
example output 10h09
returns 6h39
